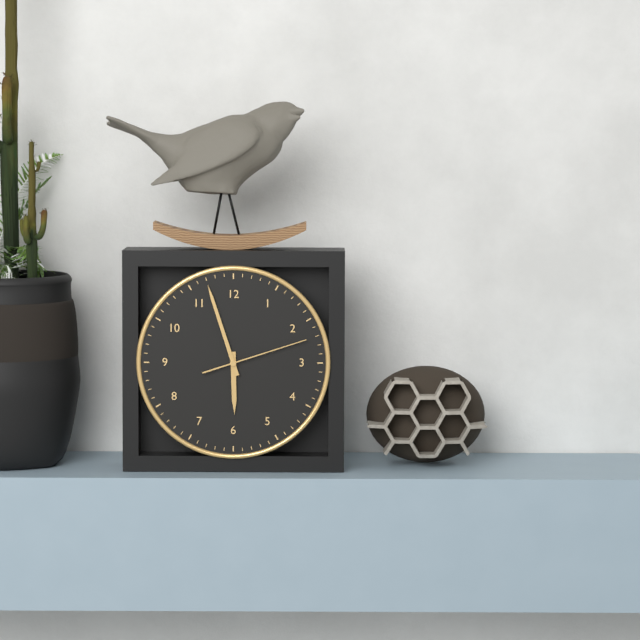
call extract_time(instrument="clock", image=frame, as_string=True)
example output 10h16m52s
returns 5h57m12s
